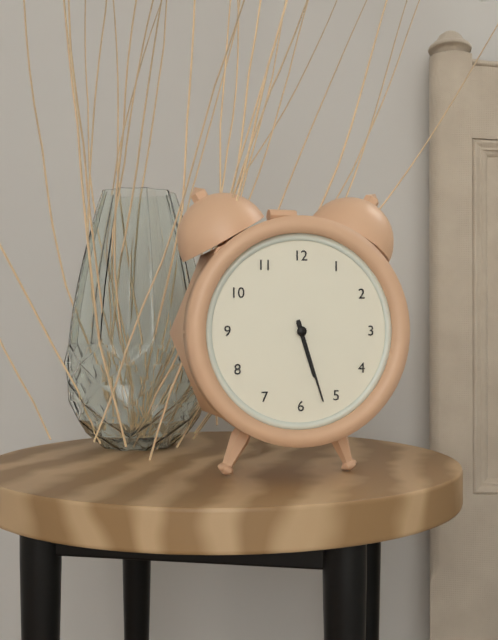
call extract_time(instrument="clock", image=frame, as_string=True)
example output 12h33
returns 5h27
